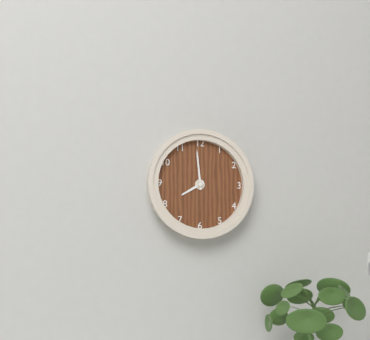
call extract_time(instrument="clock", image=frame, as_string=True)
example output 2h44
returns 7h59
